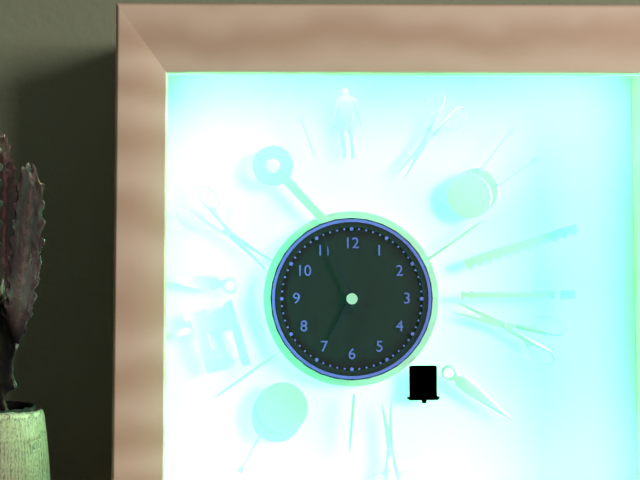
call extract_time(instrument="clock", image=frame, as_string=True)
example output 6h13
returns 6h56
